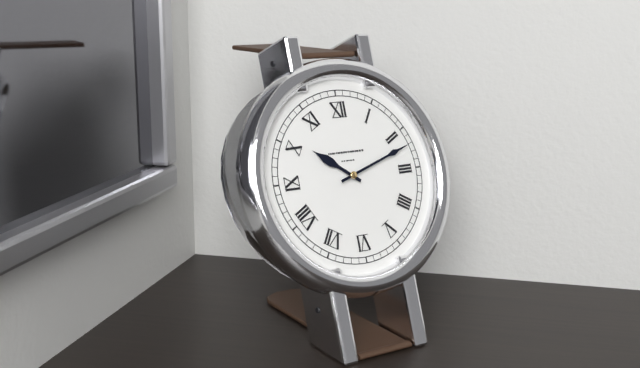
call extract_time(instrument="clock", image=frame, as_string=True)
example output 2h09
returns 10h12
